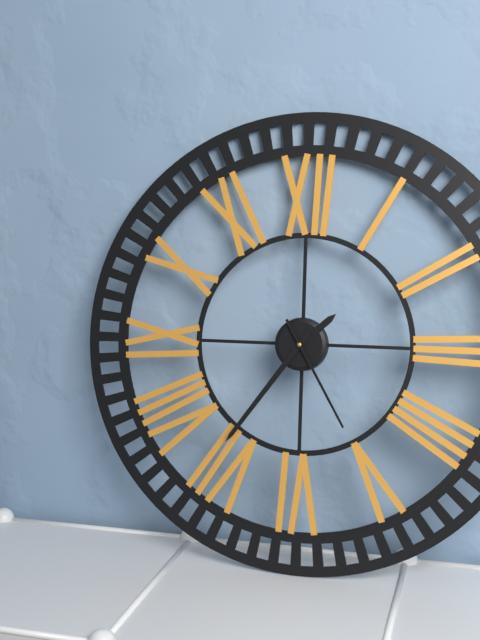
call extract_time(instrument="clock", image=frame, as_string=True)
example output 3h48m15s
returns 1h36m25s
